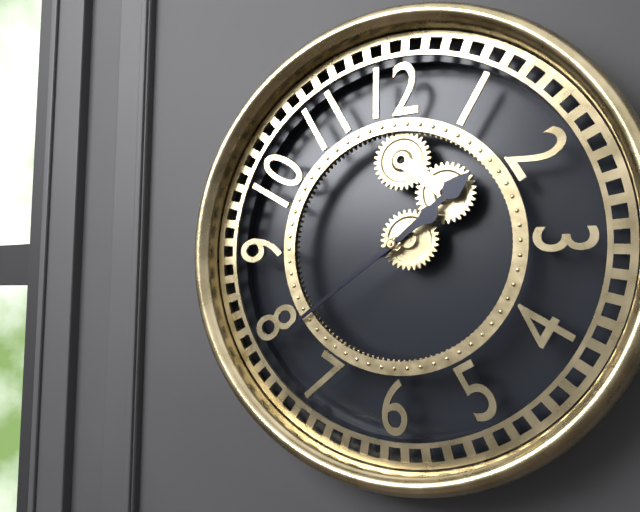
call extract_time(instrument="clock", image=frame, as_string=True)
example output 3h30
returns 1h39
